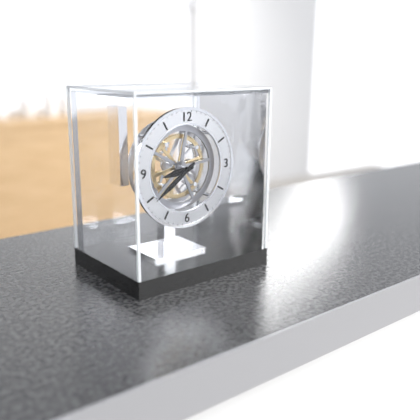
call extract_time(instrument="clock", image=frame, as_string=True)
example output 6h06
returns 8h39
